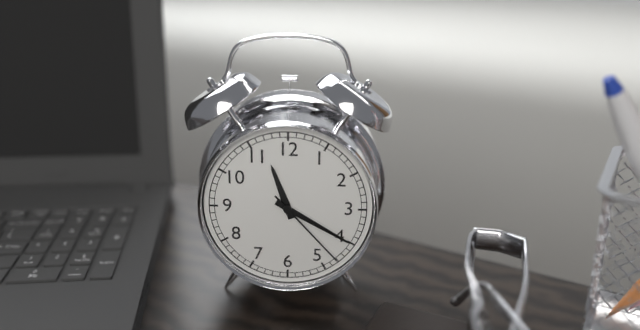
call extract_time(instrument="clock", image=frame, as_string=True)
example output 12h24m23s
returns 11h20m23s
